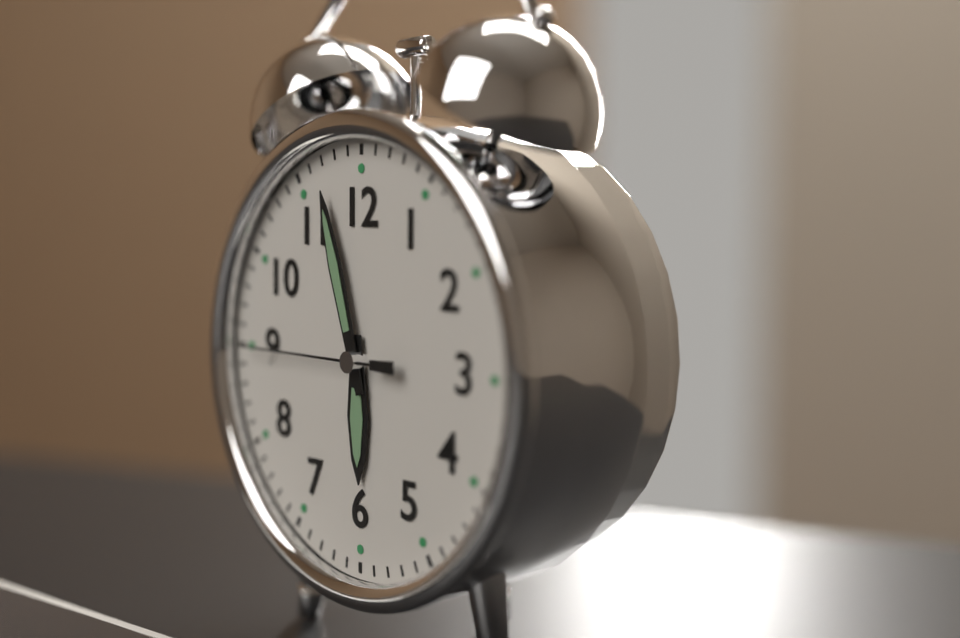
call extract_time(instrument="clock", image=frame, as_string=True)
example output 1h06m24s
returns 5h57m45s
